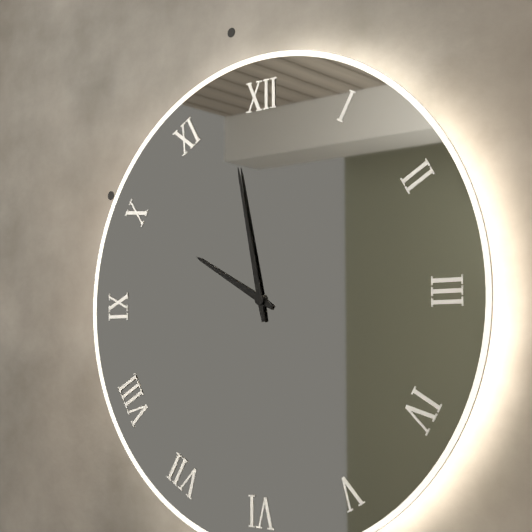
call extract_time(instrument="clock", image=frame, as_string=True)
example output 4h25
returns 9h58
